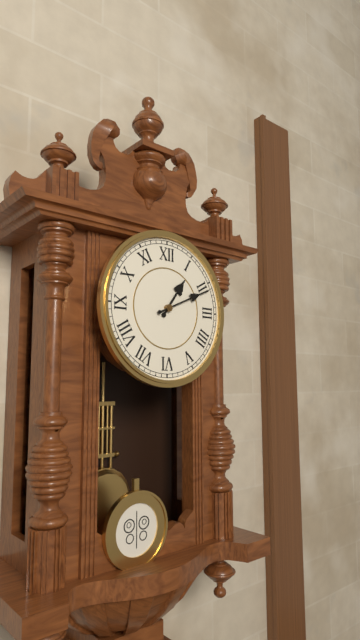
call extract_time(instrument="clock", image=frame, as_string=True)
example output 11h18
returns 1h11
